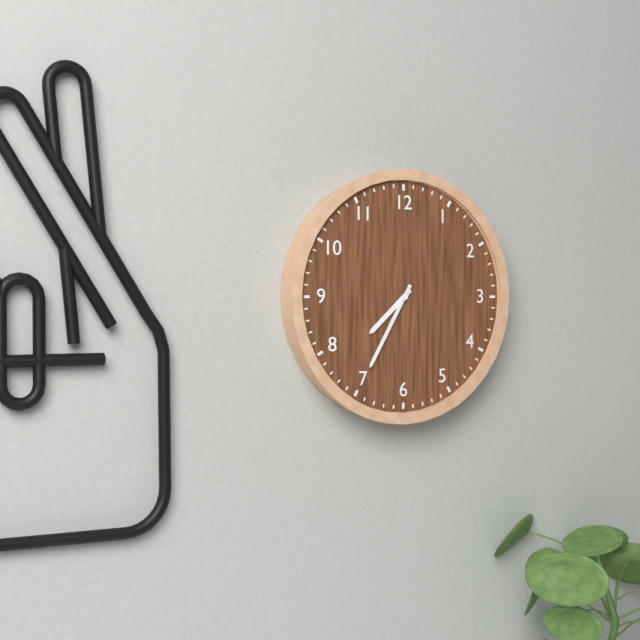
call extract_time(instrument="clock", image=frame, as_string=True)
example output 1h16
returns 7h35
